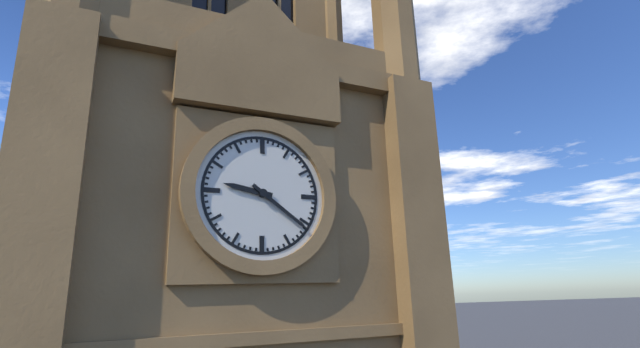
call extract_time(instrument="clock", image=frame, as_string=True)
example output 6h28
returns 9h21
